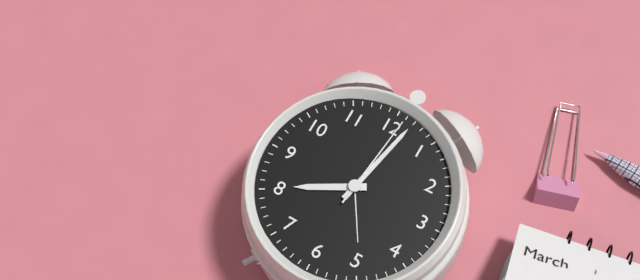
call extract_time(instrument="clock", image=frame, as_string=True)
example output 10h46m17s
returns 8h02m01s
